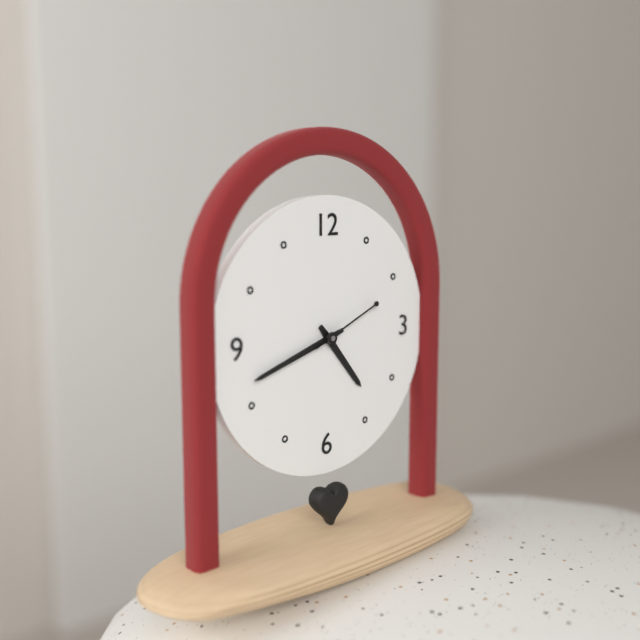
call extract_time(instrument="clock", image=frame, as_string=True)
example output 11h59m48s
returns 4h42m11s
